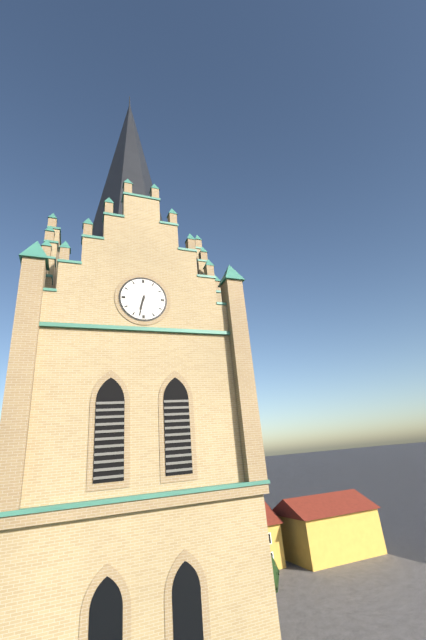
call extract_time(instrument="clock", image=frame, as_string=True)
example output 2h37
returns 6h32
